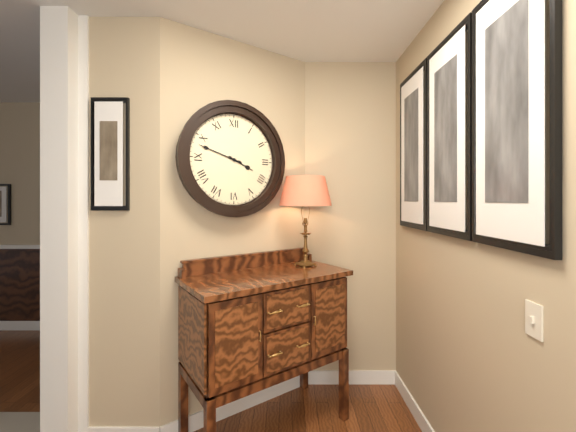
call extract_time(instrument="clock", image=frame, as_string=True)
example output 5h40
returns 3h48
